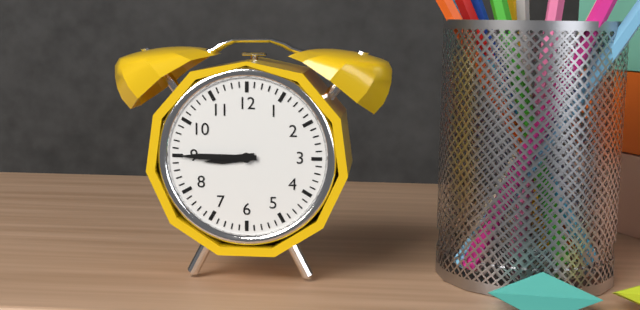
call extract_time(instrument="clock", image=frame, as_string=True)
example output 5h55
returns 8h45
